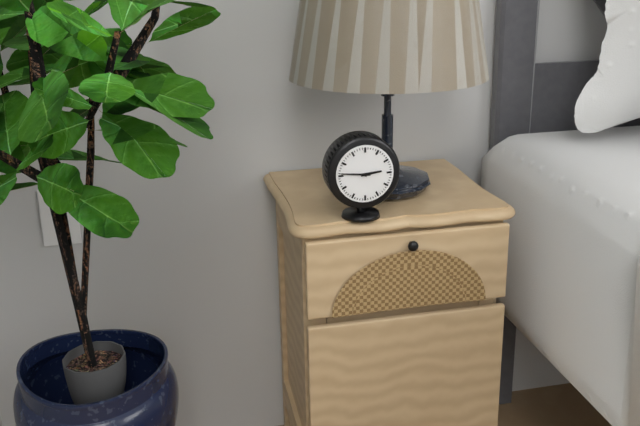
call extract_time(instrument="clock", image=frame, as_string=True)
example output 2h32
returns 2h46
